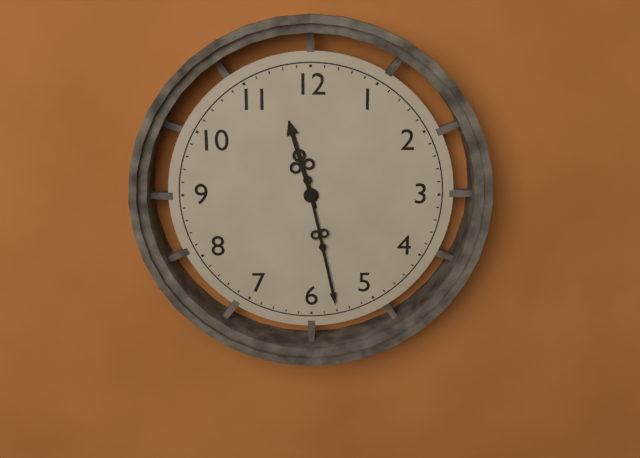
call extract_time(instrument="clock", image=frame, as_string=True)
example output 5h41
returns 11h28
